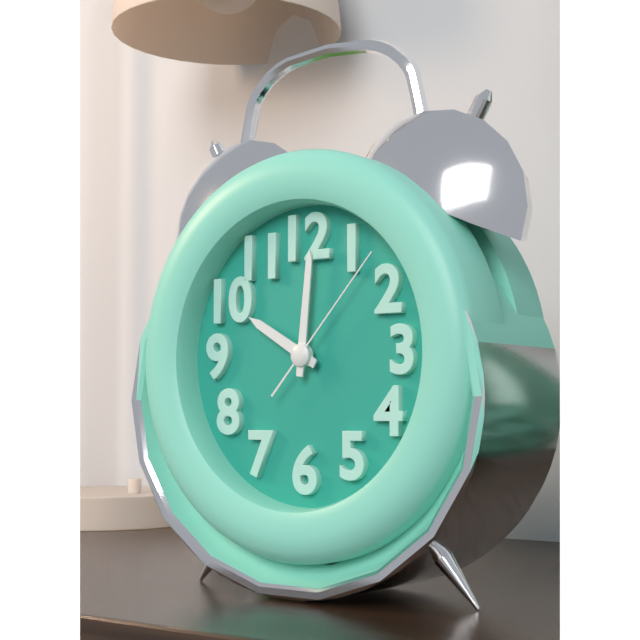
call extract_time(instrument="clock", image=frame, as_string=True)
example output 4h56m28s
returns 10h01m07s
